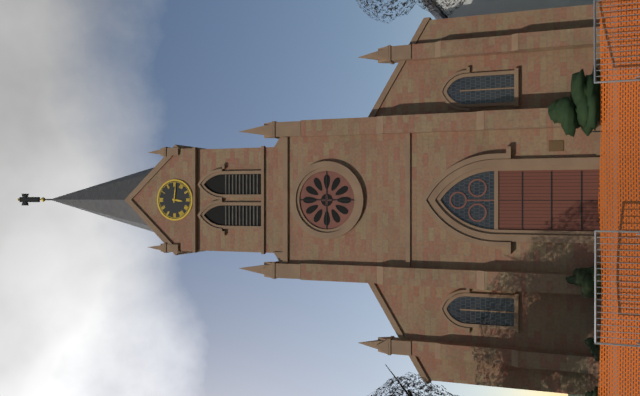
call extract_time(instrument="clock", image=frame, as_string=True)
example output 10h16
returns 6h16
